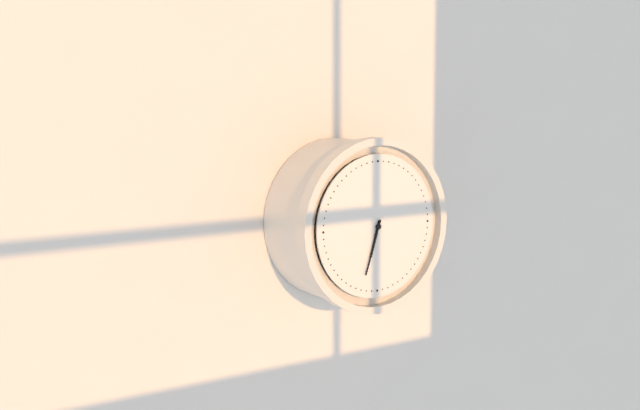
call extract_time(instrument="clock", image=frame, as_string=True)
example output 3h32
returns 6h33
